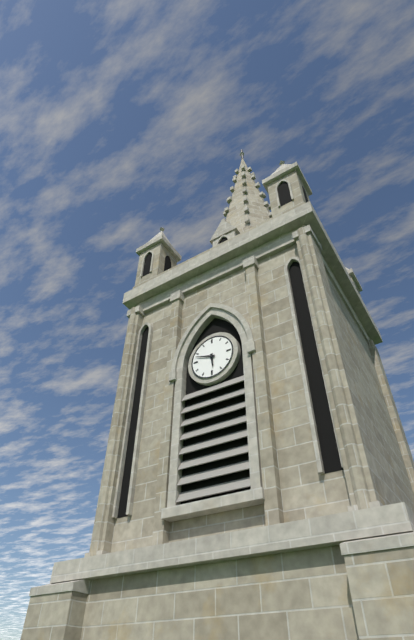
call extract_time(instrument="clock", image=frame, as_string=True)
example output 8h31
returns 5h48
